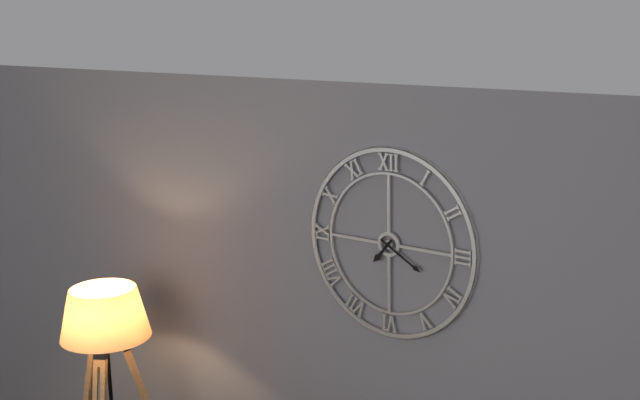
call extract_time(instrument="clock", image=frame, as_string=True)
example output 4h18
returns 7h20
